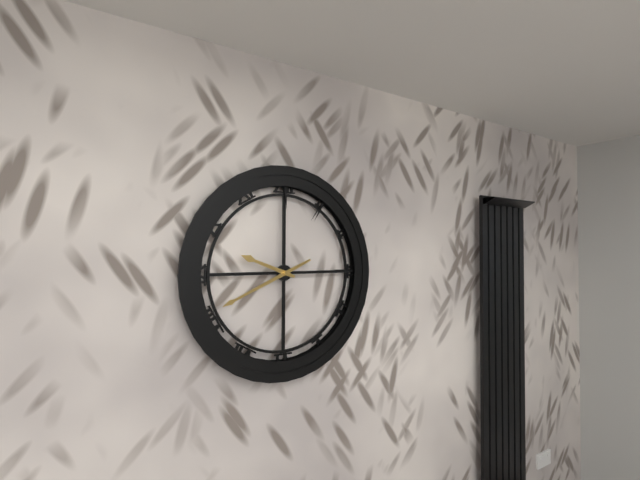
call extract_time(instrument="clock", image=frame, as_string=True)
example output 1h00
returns 9h41
